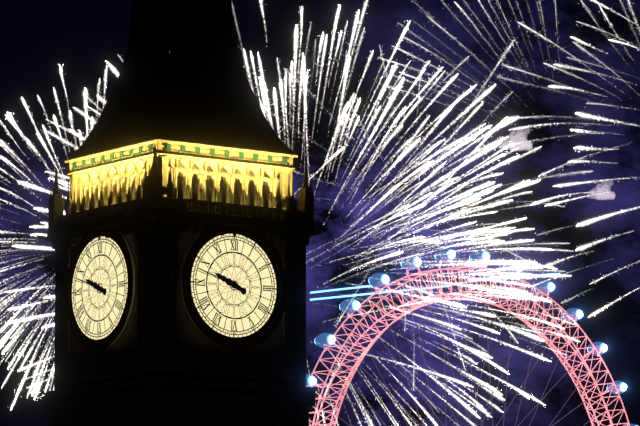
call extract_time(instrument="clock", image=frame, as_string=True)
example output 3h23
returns 9h48
